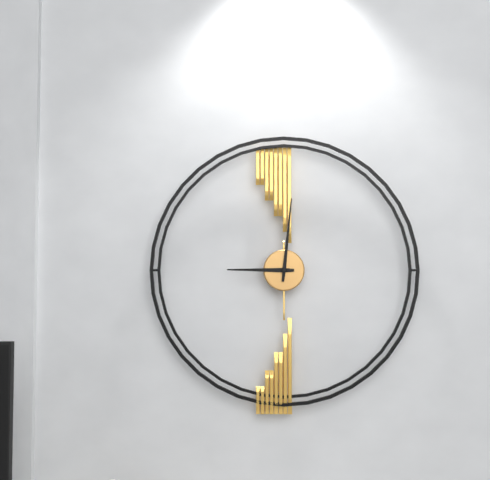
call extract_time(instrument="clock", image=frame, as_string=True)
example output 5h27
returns 9h01
